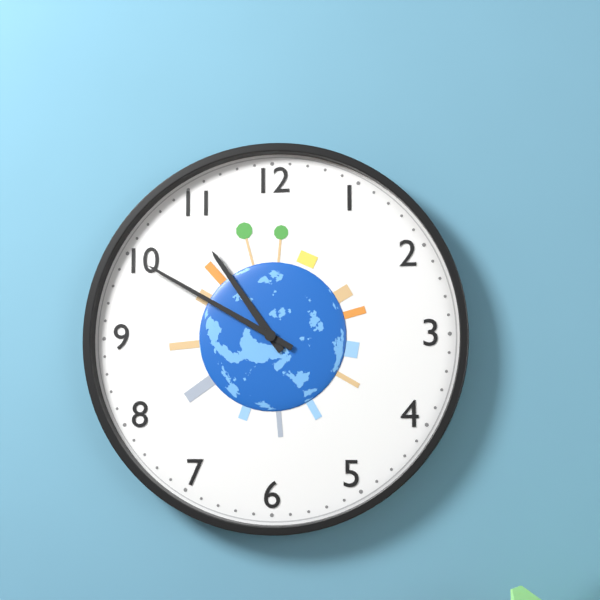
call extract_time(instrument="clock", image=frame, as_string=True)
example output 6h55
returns 10h50
